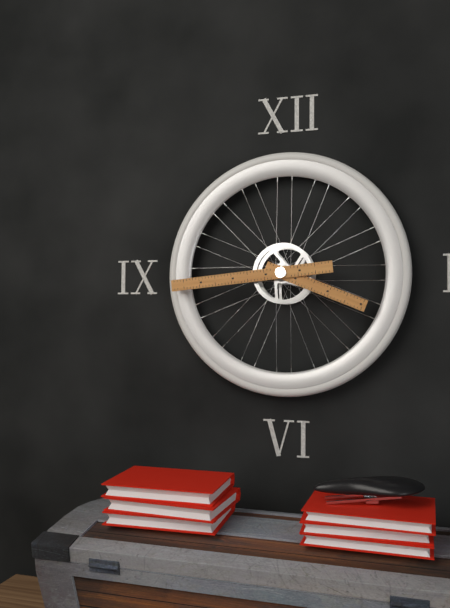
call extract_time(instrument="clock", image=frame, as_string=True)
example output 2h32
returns 3h44
